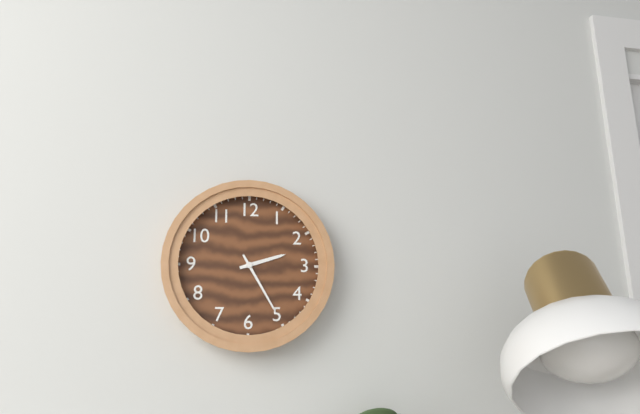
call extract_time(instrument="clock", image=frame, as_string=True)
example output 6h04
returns 2h25
